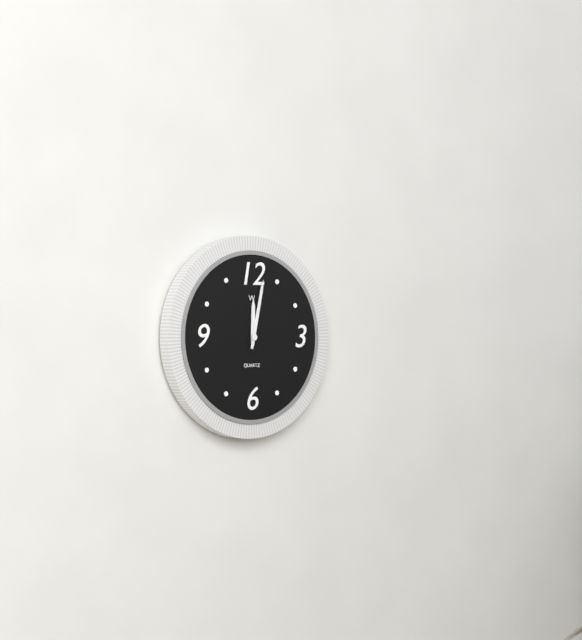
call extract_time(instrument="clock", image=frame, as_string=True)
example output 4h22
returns 12h02
